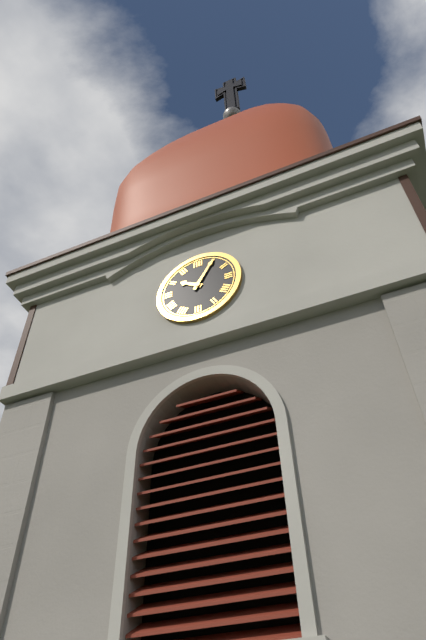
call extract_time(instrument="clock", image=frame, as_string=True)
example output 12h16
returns 10h05
